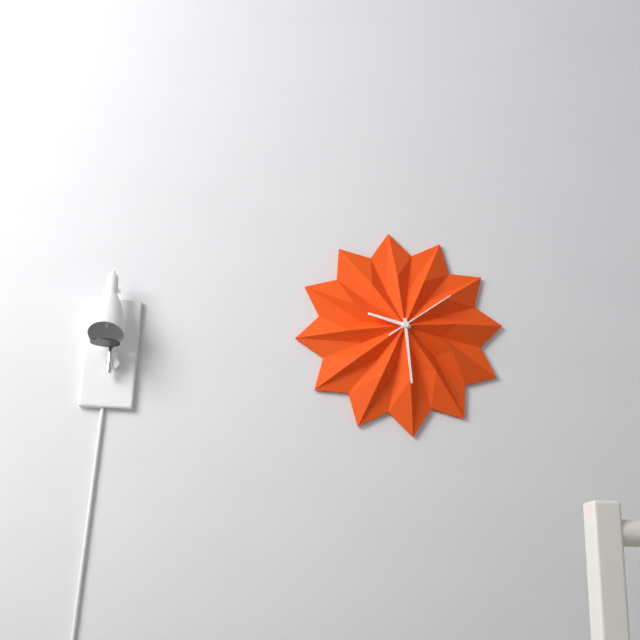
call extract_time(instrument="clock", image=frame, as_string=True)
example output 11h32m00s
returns 9h29m09s
